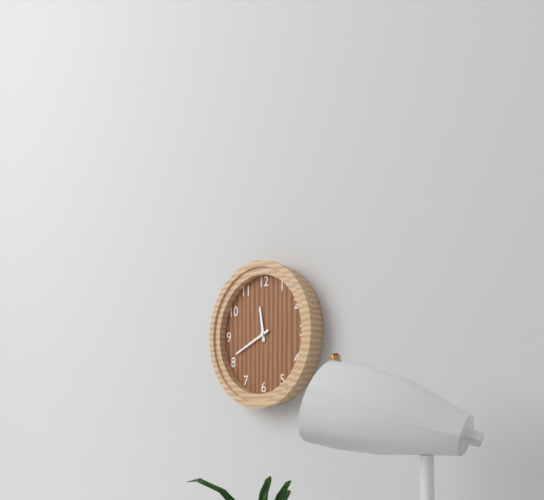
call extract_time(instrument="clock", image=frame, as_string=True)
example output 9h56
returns 11h41
